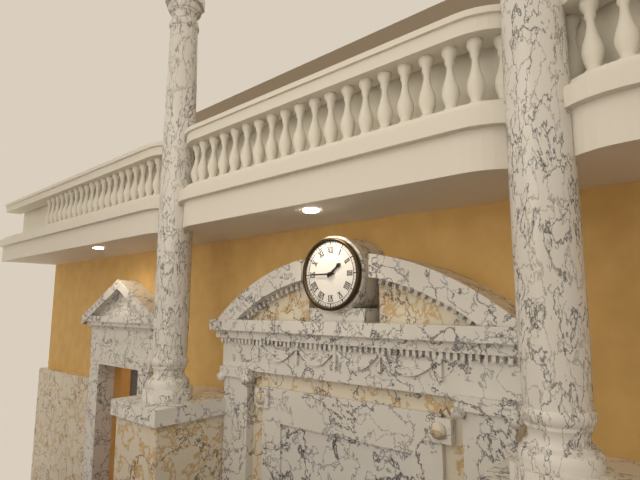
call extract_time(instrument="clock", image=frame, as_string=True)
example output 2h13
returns 1h45
